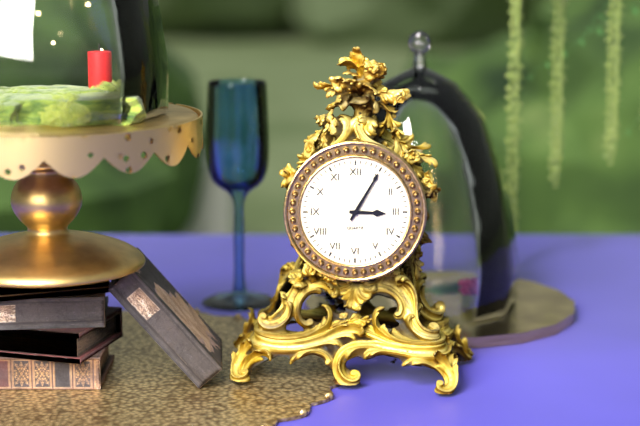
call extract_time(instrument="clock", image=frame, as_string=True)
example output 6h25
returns 3h05
